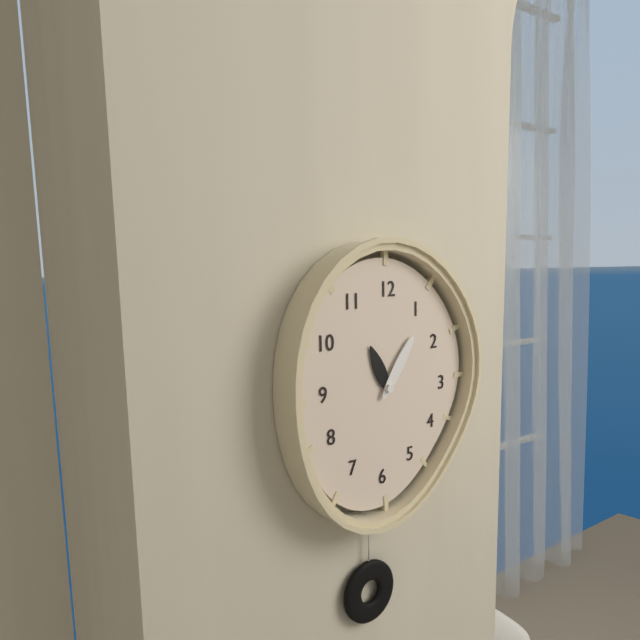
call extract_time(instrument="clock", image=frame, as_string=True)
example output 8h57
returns 11h06
